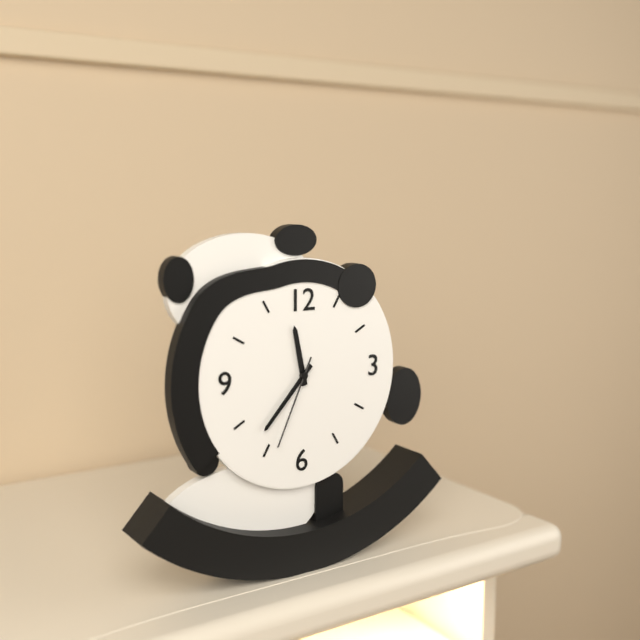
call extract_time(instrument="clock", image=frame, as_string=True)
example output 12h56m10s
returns 11h37m34s
